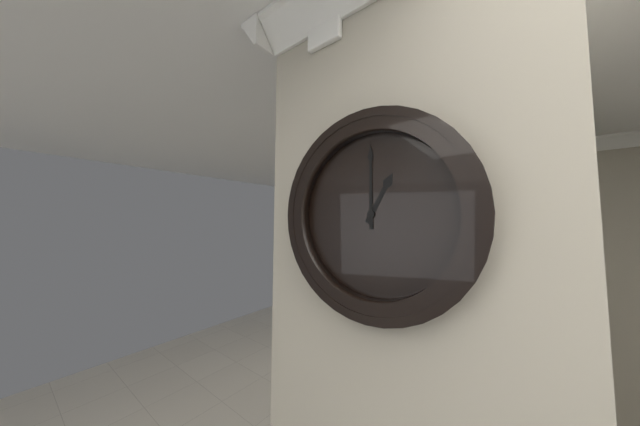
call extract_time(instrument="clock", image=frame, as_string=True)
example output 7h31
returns 1h00
